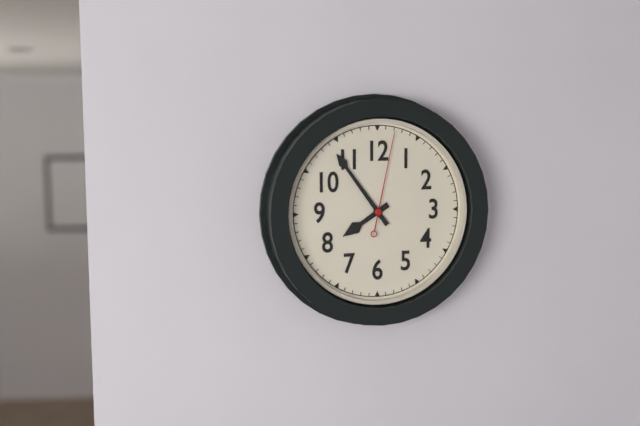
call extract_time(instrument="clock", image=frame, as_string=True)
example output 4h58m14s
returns 7h54m02s
